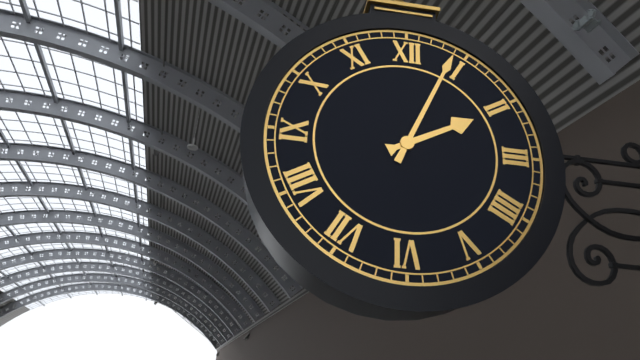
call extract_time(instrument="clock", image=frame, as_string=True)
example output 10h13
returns 2h04
